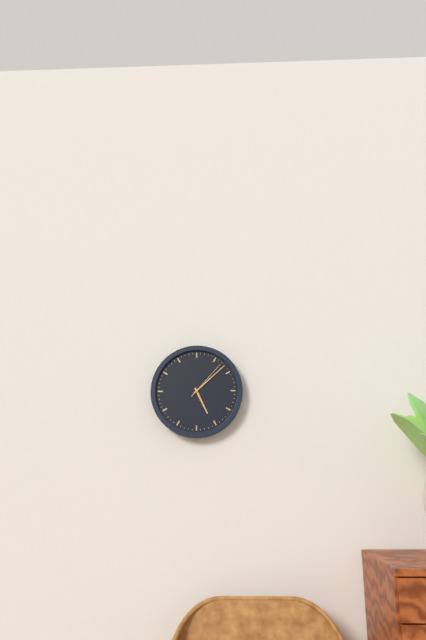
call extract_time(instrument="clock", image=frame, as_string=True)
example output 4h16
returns 5h08
